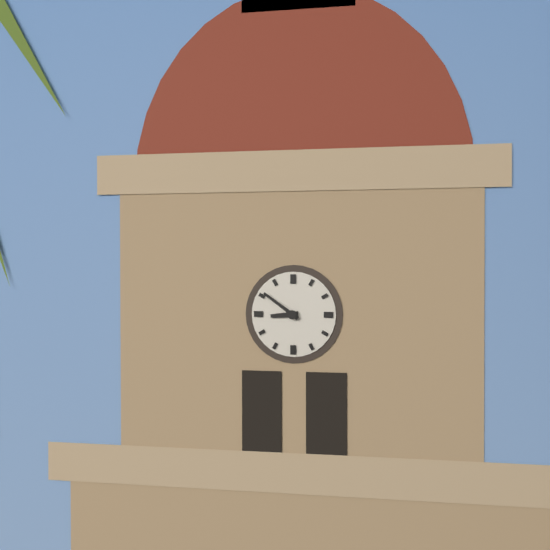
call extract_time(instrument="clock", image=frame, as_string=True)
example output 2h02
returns 8h51
